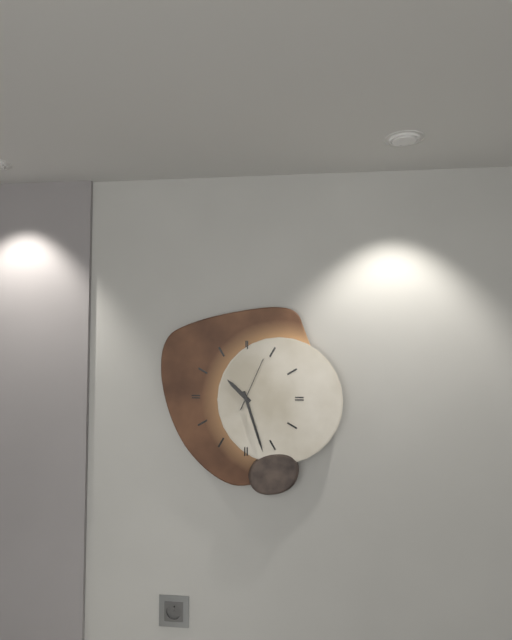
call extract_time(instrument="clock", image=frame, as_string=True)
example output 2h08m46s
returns 10h27m04s
